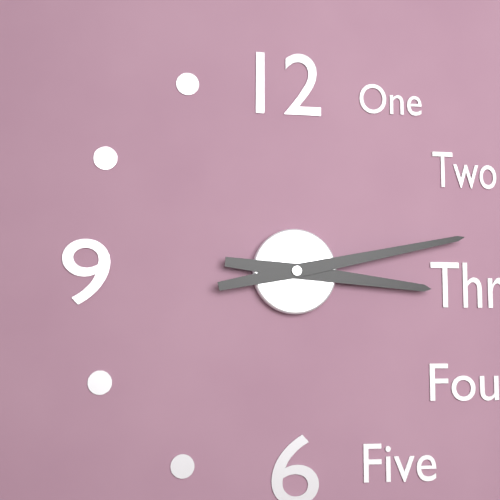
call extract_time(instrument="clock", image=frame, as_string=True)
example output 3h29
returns 3h13
